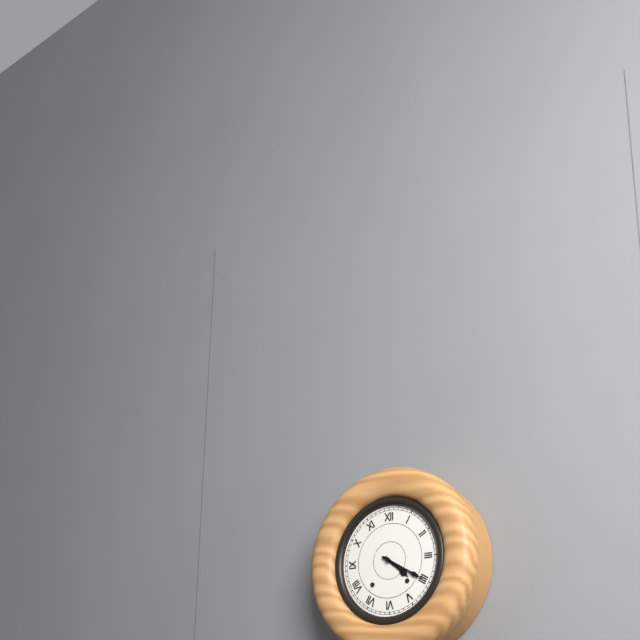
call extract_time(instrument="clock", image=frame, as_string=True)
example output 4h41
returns 4h20
